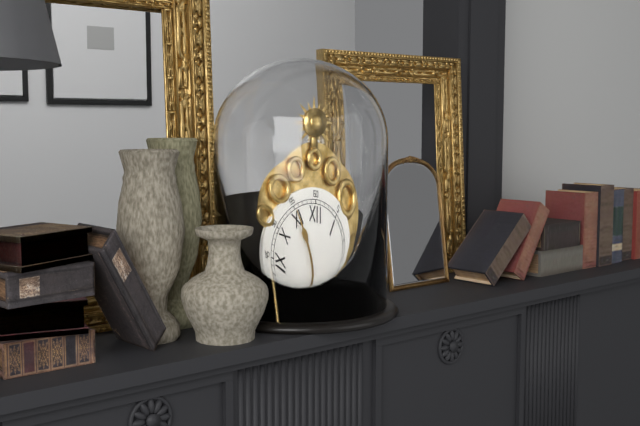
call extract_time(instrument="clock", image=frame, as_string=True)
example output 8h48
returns 1h55
